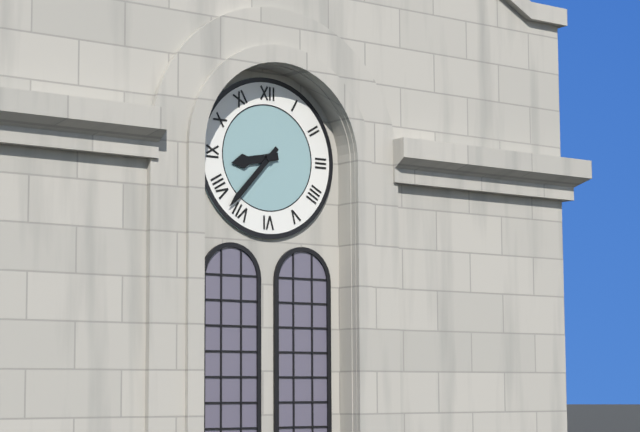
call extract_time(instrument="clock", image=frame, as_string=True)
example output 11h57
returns 8h37
